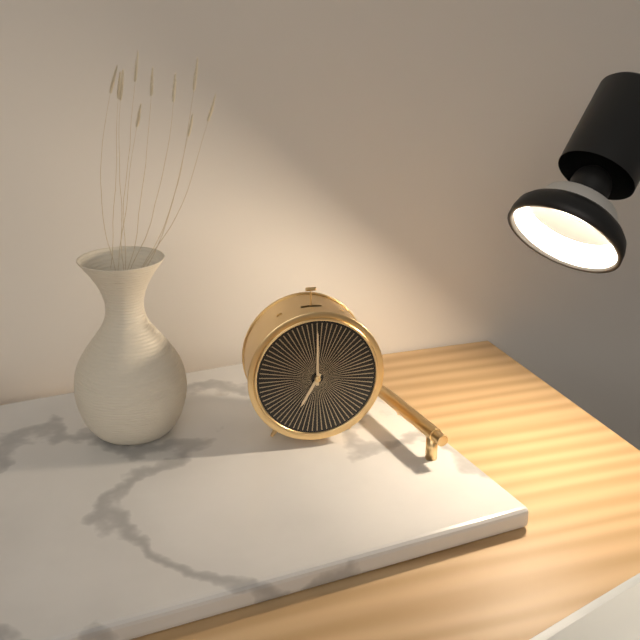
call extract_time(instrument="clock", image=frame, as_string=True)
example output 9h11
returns 7h00
